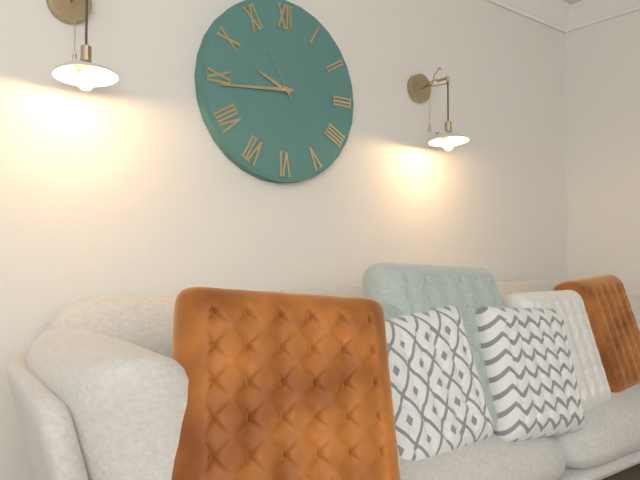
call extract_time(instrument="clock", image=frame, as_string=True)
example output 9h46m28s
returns 9h44m55s
